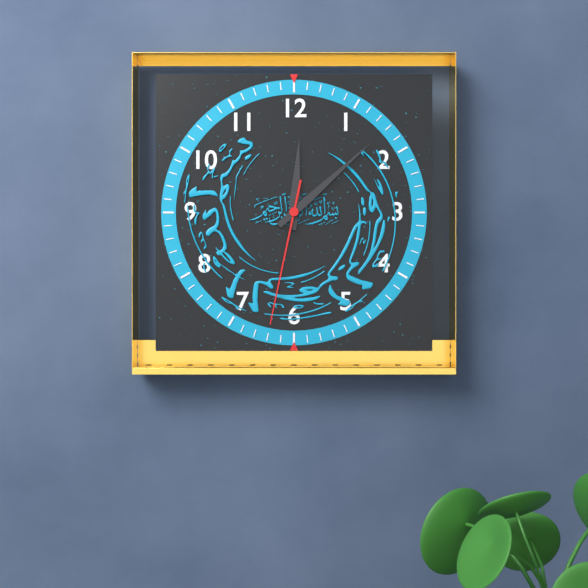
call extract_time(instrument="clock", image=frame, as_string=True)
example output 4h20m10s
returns 12h08m32s
